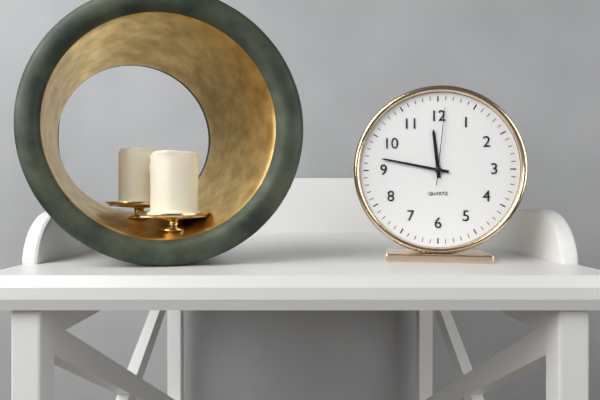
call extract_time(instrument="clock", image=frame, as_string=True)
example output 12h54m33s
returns 11h47m01s
